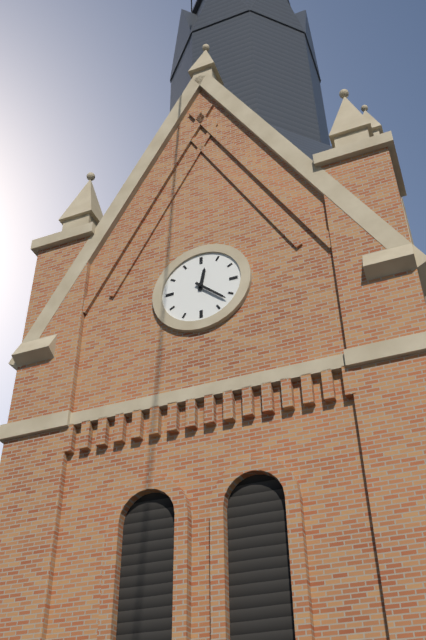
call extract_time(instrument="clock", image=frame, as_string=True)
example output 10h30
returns 12h22
